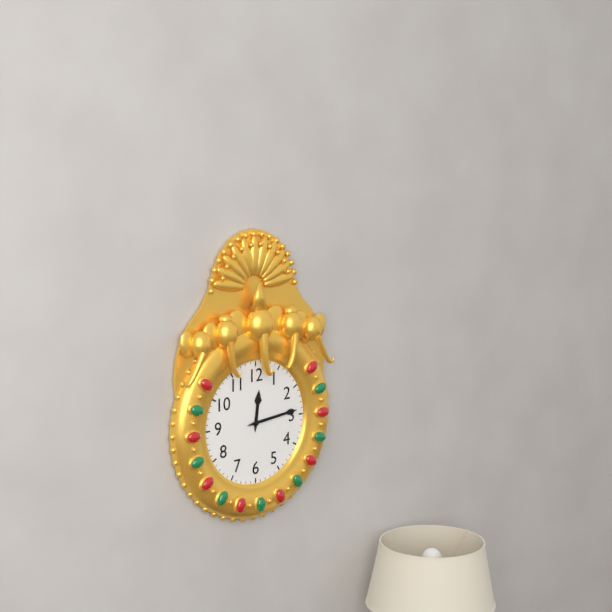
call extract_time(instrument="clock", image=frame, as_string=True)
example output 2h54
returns 12h14
